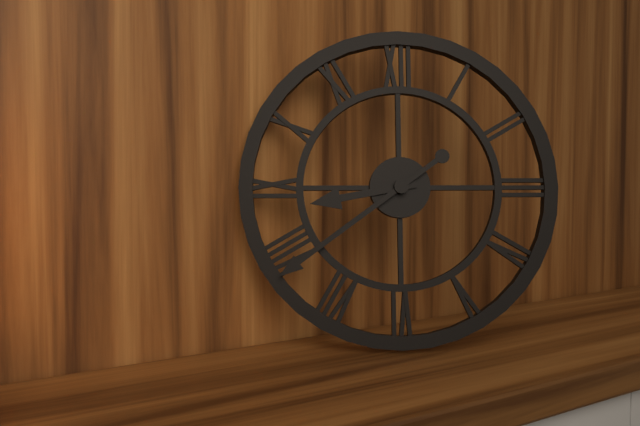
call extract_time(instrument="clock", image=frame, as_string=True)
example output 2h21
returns 8h39
